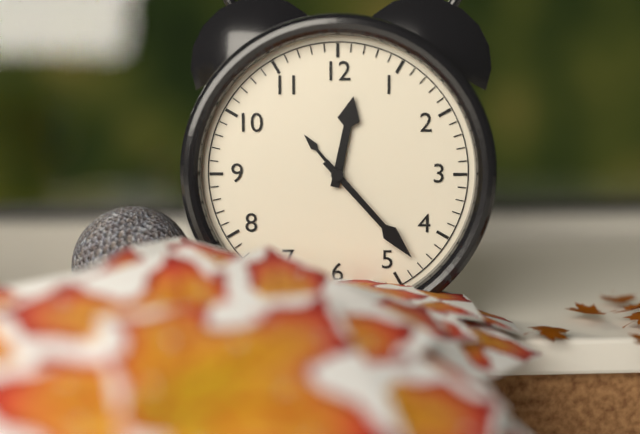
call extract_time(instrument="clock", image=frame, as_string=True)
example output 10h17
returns 12h23
